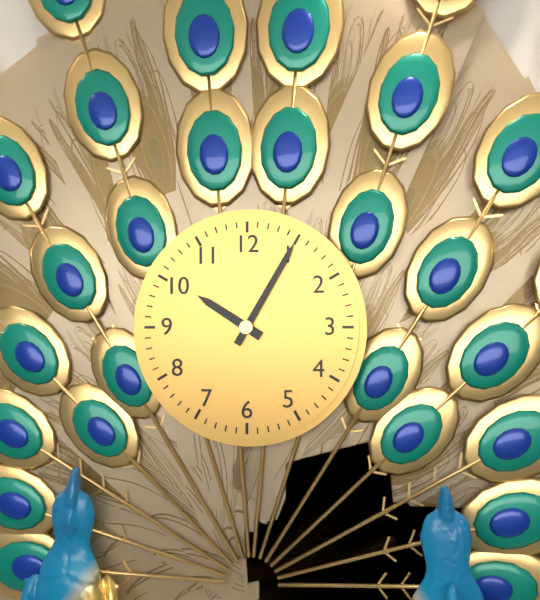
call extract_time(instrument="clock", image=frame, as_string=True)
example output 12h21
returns 10h05
